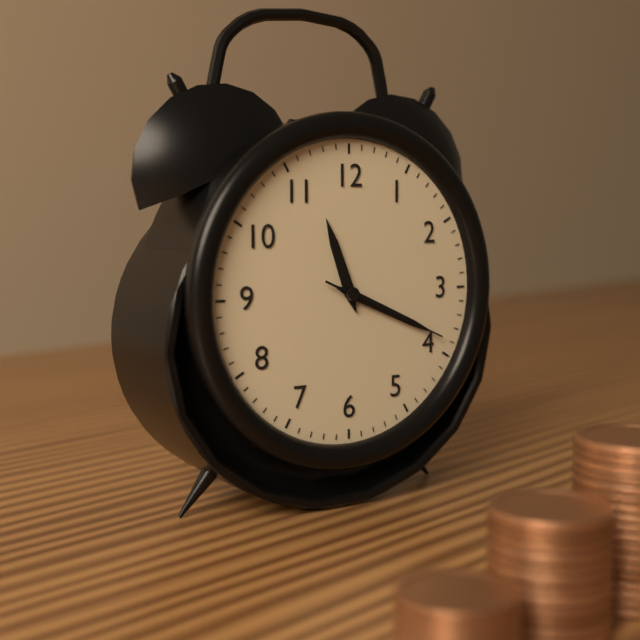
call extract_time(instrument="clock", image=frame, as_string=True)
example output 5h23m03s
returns 11h19m19s
